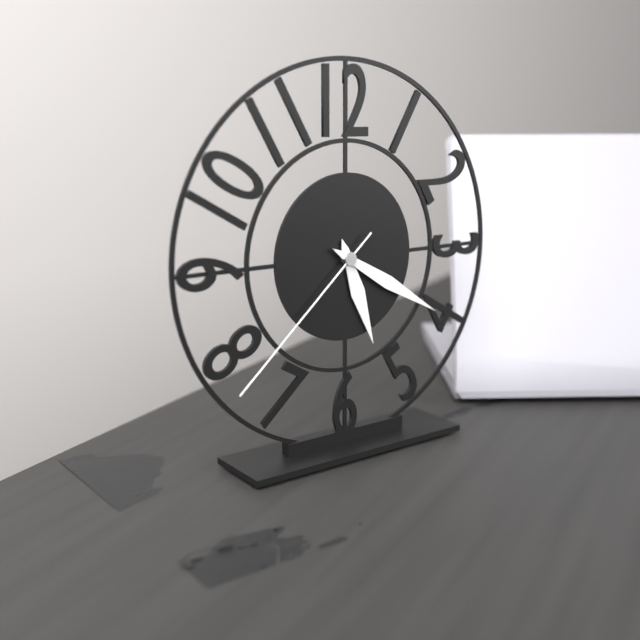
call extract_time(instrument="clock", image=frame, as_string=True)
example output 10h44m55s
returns 5h20m38s
